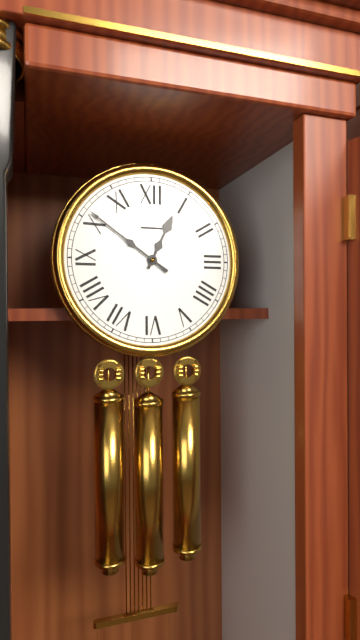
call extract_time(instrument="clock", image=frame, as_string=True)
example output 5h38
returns 12h51
